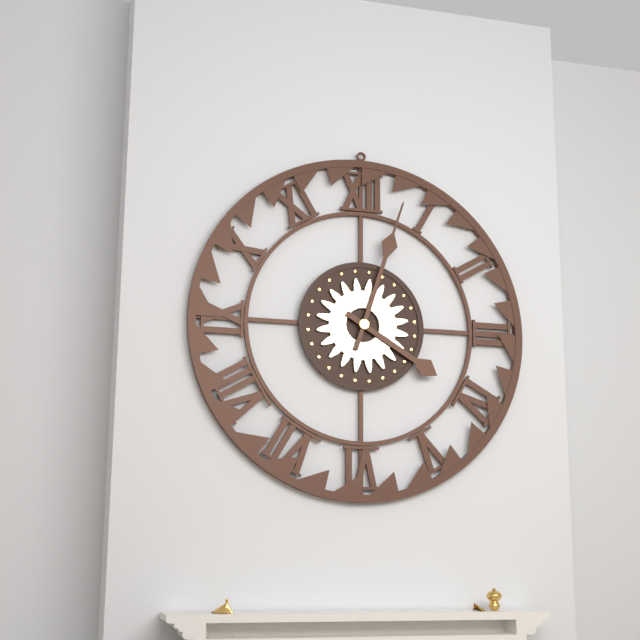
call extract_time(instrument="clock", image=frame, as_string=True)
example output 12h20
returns 4h03
